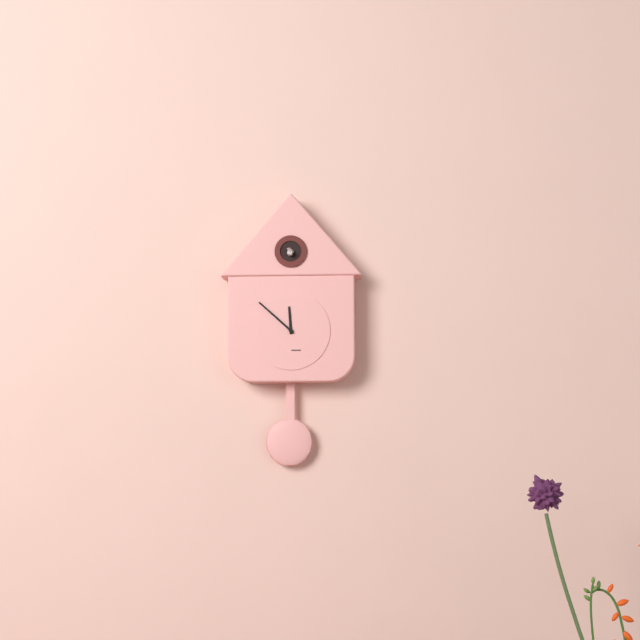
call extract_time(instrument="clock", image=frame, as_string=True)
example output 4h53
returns 11h52
